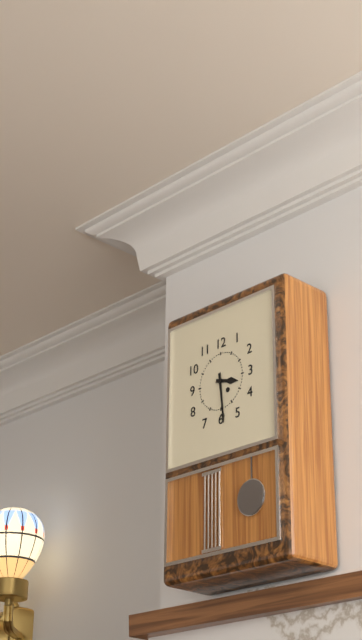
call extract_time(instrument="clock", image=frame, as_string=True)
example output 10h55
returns 3h29
